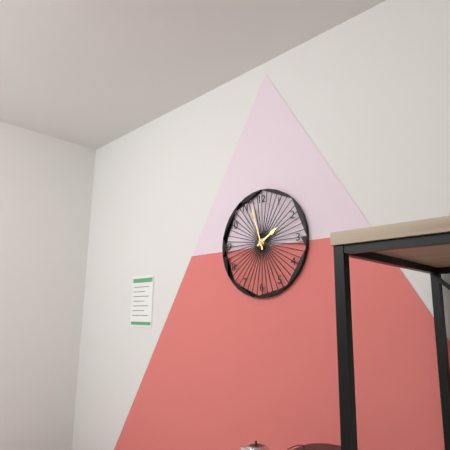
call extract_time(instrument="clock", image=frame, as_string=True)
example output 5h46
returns 1h57
